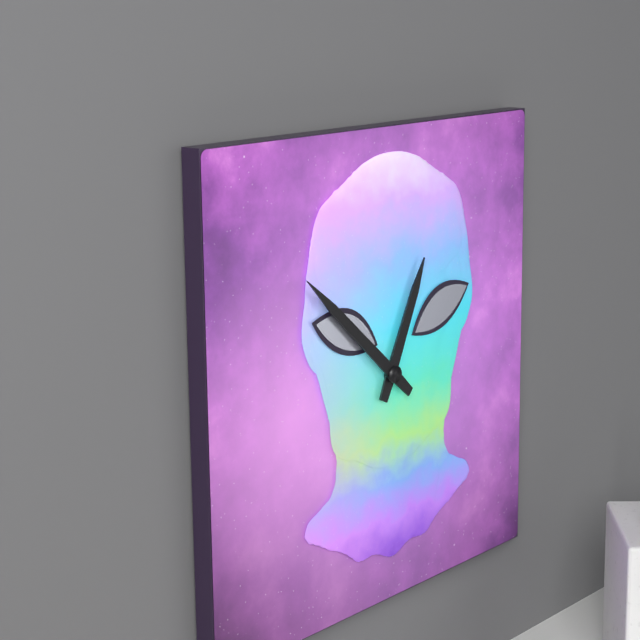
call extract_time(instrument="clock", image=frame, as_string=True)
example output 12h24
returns 12h52
